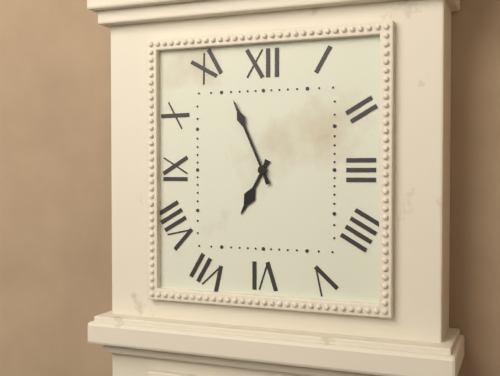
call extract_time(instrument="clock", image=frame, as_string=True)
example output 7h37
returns 6h56
